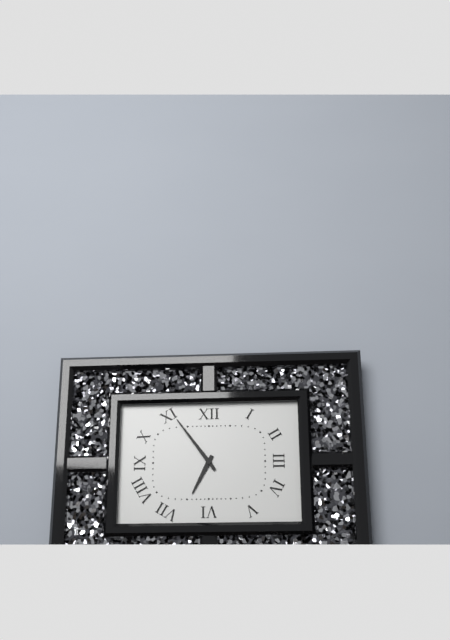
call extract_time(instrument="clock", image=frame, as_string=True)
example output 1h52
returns 6h54
